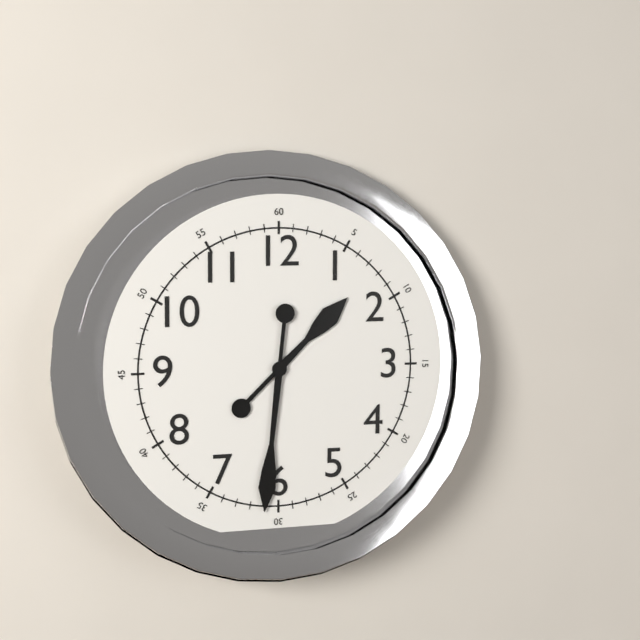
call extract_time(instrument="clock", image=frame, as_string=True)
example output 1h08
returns 1h31
